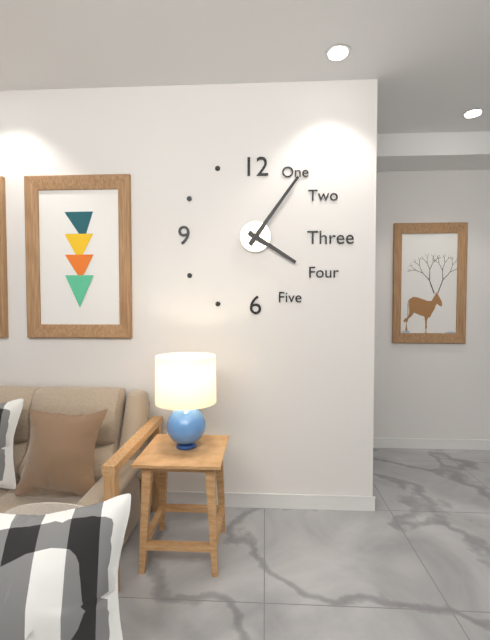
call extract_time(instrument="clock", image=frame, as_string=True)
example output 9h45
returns 4h06
